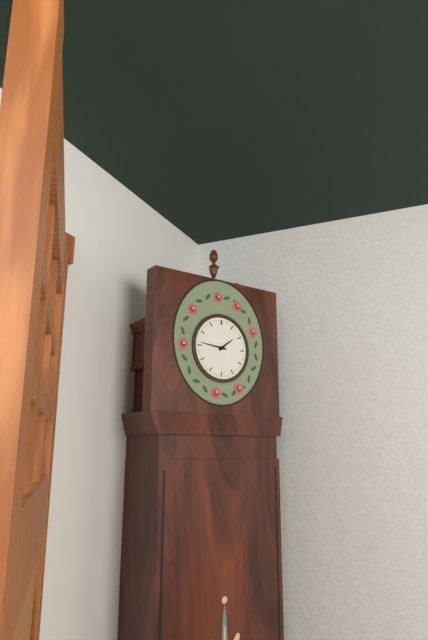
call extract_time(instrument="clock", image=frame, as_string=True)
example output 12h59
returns 1h46
